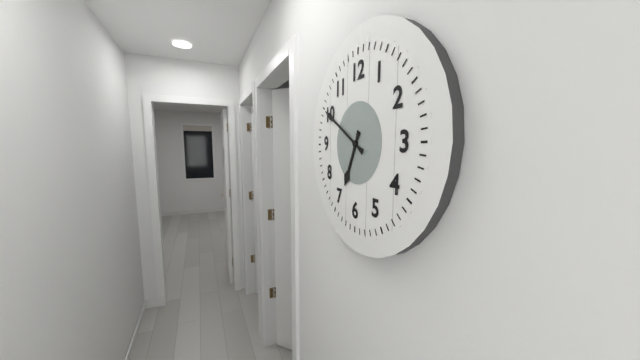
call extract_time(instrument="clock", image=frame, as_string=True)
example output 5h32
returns 6h50
